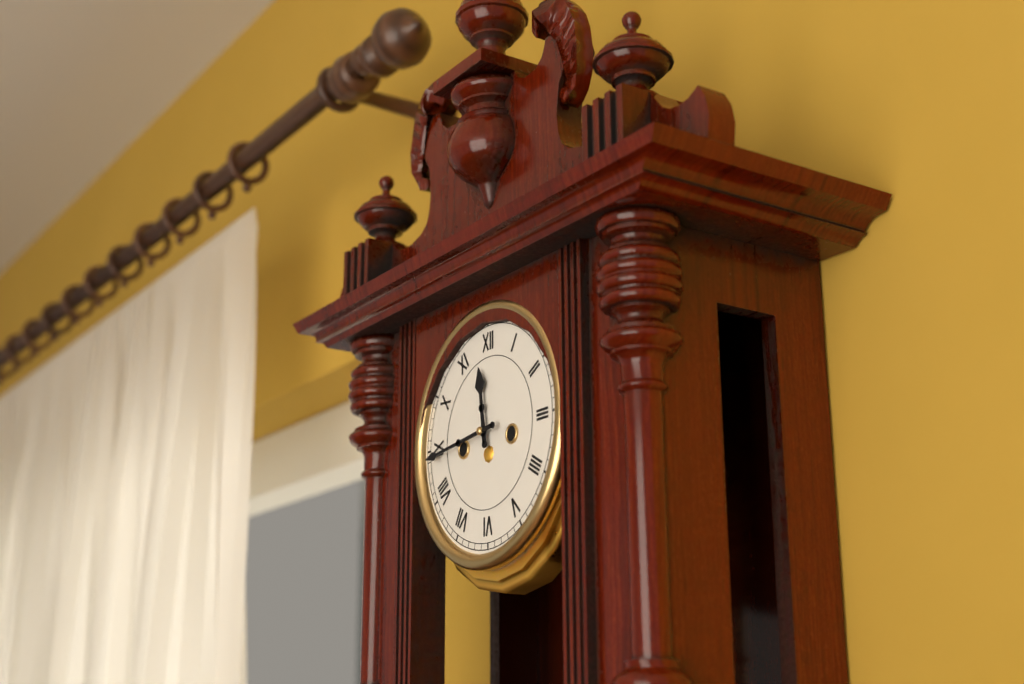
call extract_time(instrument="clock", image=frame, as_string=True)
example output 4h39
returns 11h44
